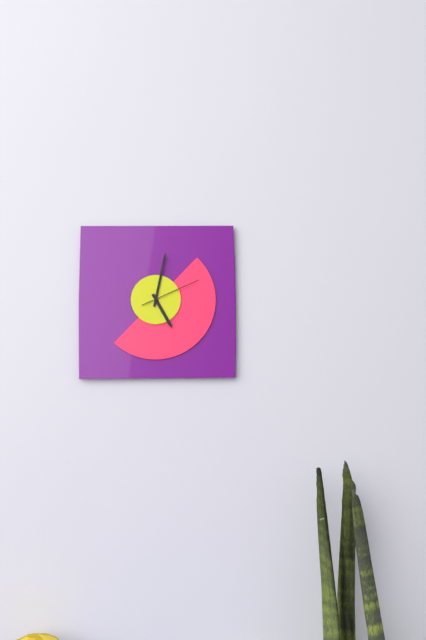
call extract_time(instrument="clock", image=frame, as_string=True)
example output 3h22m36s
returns 5h02m11s
